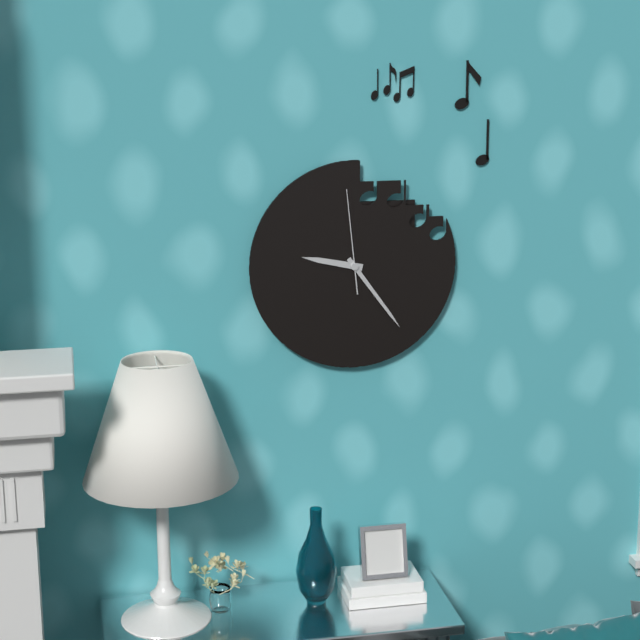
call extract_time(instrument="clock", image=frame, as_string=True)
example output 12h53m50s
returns 9h24m59s
